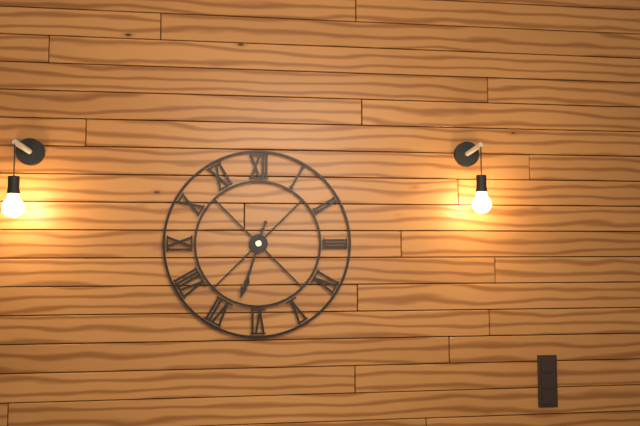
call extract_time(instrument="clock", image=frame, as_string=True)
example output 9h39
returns 6h33
